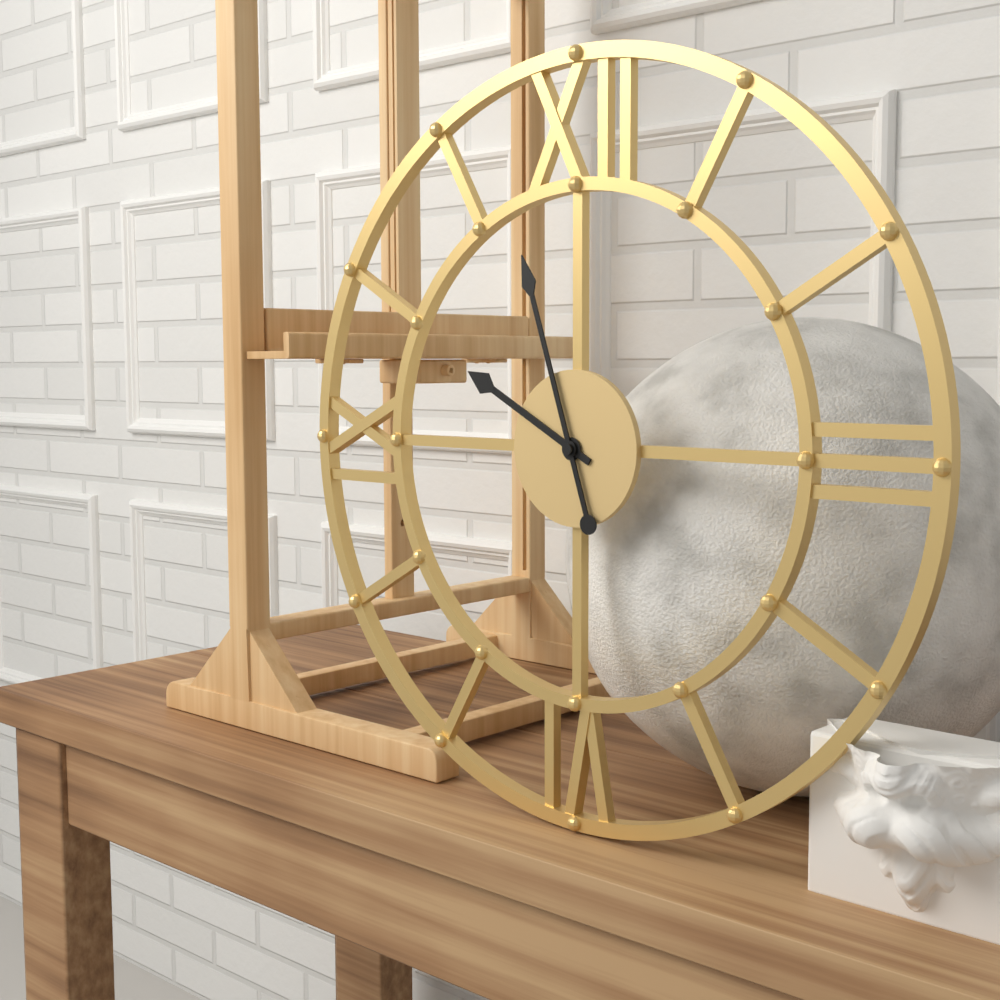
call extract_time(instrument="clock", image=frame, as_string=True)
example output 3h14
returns 9h57
